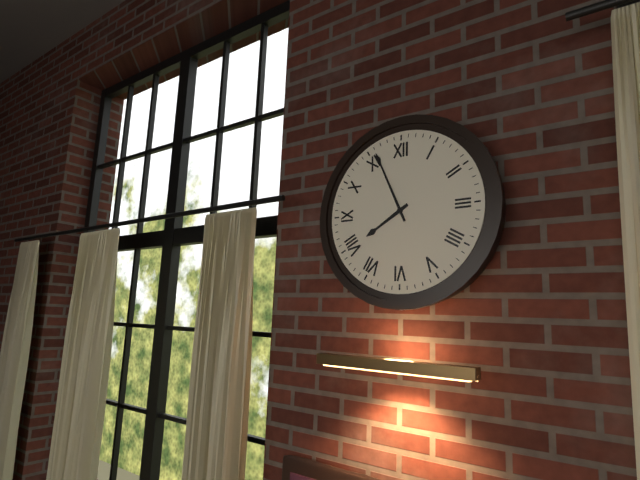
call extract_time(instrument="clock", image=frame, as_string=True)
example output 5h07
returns 7h56
